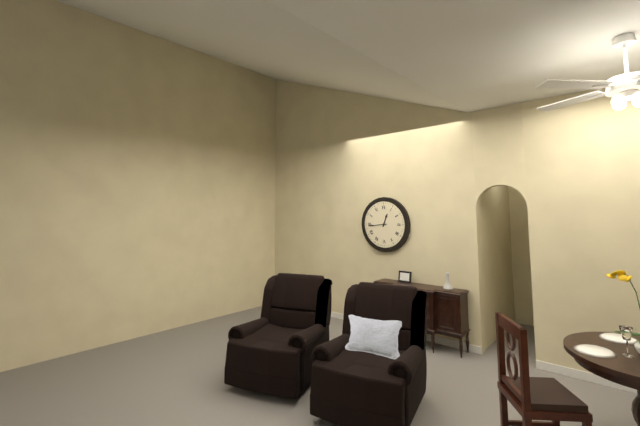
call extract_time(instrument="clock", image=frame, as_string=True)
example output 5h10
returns 12h44
